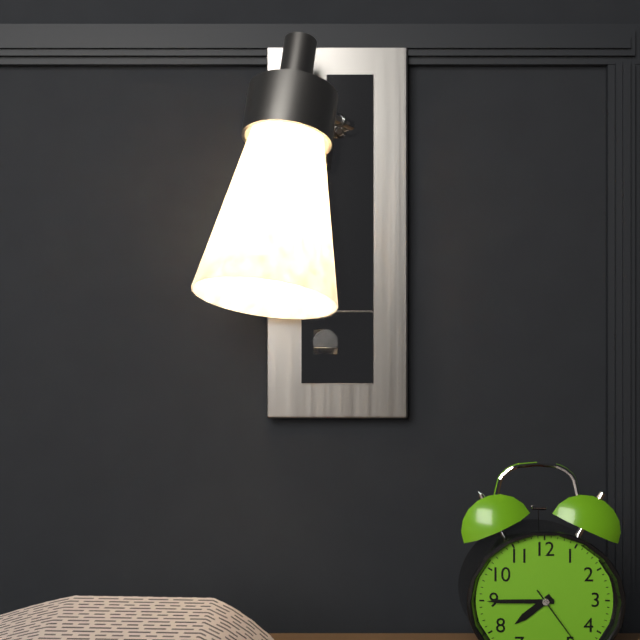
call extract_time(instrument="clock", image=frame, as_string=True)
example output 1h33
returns 7h45
